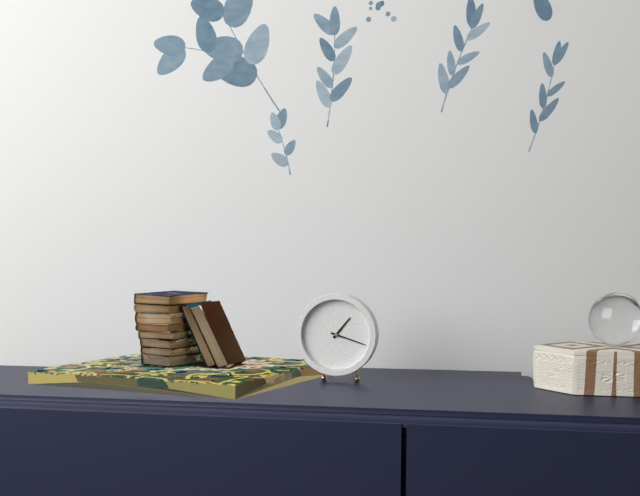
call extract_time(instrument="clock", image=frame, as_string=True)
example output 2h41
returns 1h18
